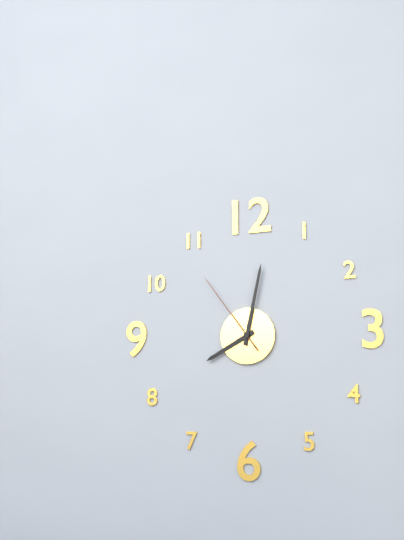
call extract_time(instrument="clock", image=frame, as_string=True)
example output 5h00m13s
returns 8h02m54s
